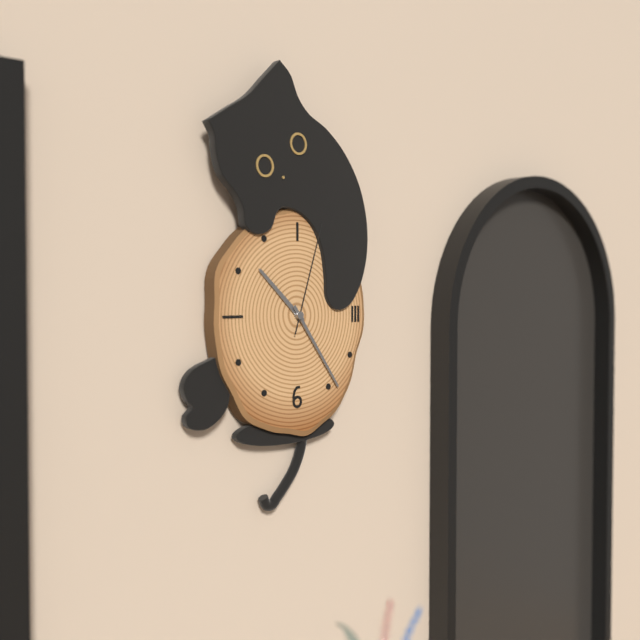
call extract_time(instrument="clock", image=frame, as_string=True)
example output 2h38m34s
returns 10h24m03s
